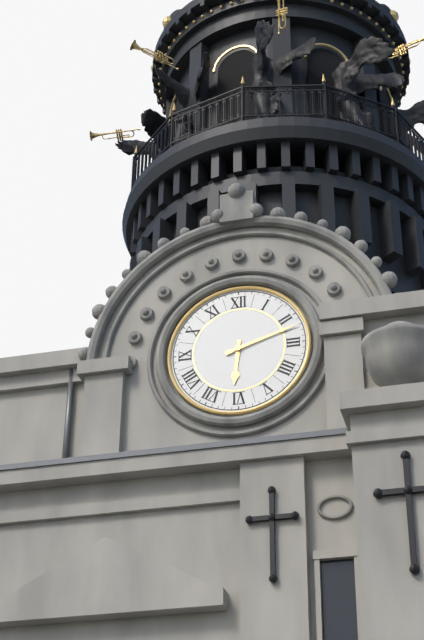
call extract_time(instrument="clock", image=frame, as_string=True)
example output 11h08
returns 6h12
